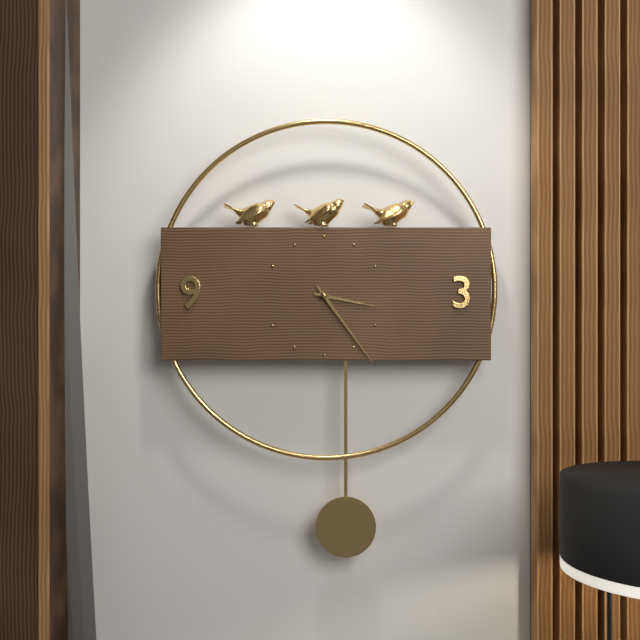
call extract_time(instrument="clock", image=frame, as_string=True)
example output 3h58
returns 3h24
